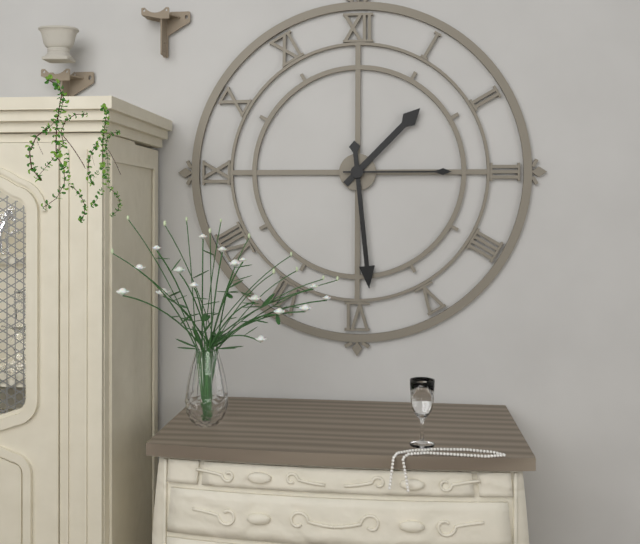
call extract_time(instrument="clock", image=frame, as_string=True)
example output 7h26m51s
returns 1h29m15s
